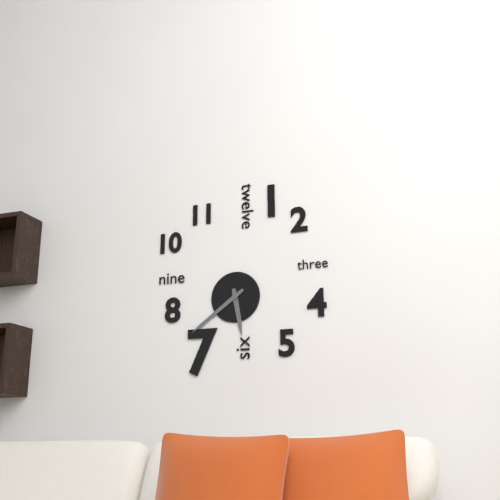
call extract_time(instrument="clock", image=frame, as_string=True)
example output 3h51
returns 5h39
